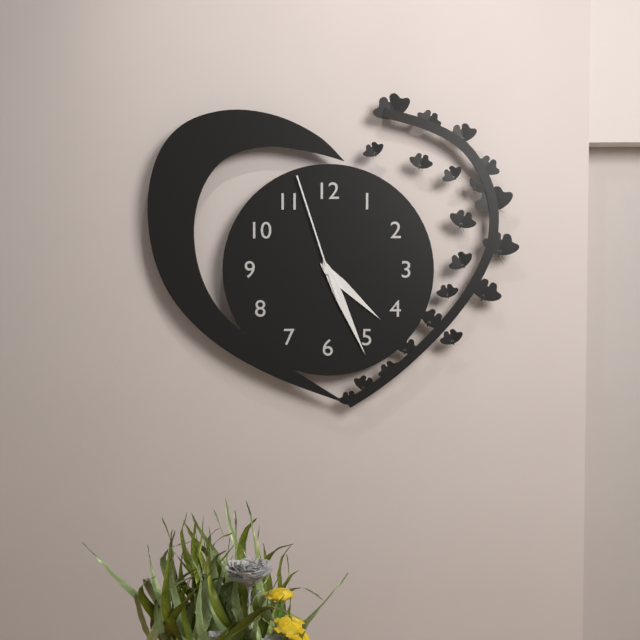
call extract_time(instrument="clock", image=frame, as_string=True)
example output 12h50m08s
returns 4h26m57s
